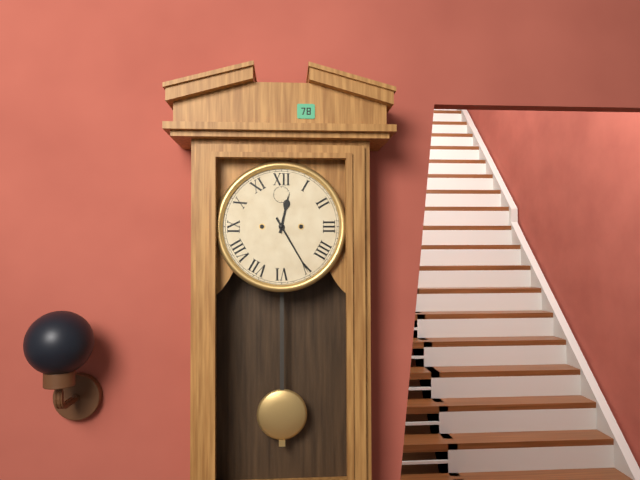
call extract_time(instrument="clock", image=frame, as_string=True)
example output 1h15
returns 12h25
